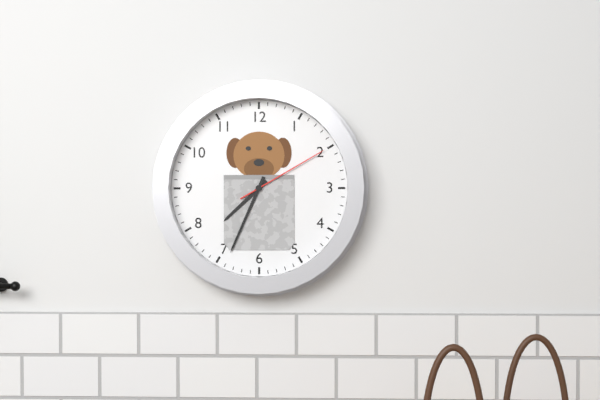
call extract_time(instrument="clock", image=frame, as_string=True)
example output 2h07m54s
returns 7h34m10s
